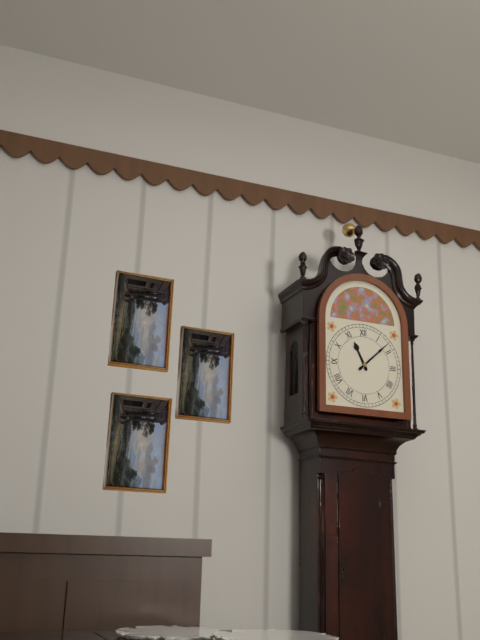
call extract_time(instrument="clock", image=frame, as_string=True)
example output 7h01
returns 11h08
